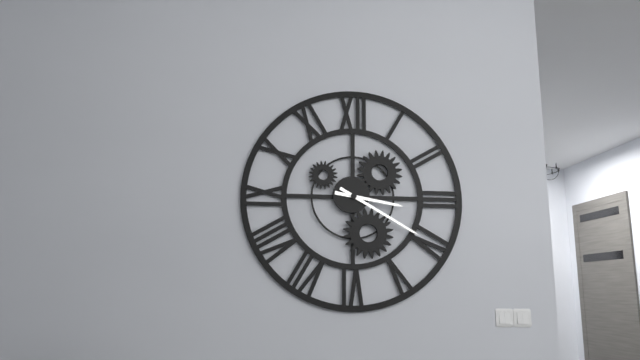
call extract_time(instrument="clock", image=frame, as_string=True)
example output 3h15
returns 3h20
